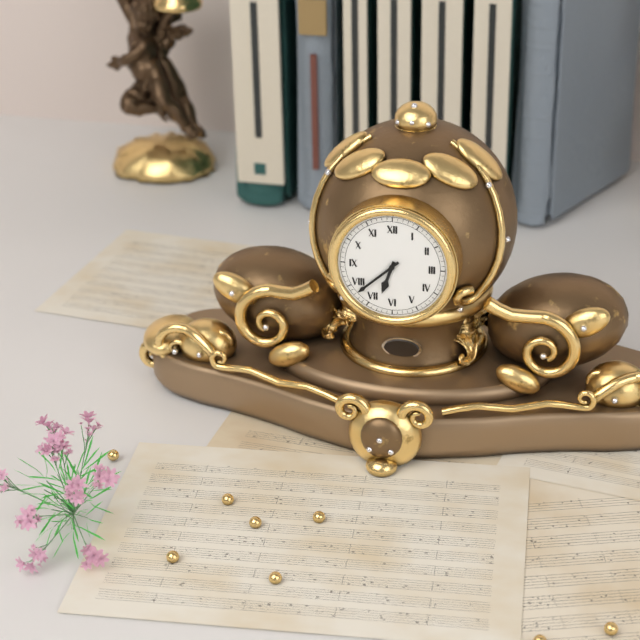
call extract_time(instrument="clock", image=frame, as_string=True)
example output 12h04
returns 6h38
